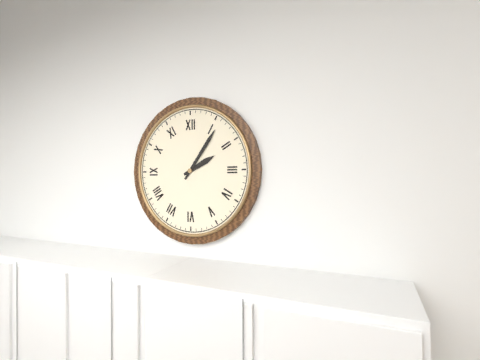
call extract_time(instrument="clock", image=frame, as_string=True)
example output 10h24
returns 2h06
